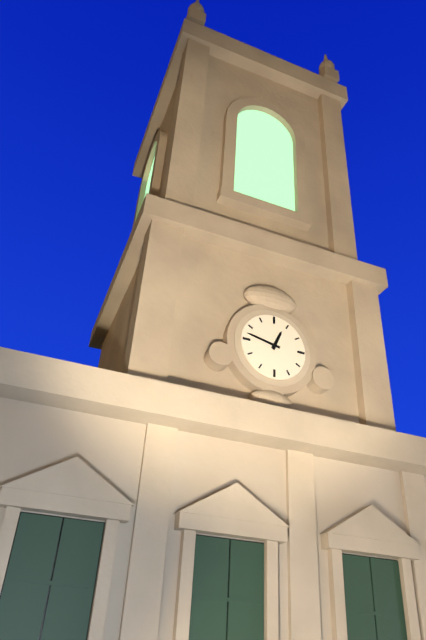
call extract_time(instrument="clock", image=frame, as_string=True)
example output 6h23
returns 12h47
